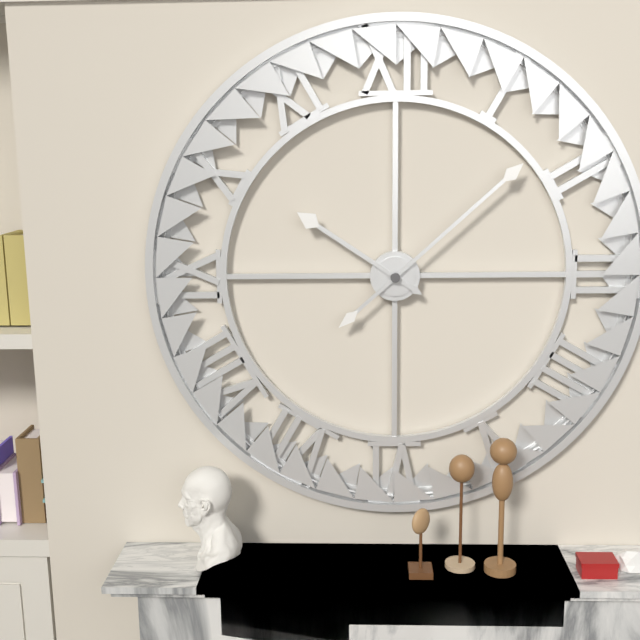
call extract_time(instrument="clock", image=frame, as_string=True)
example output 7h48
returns 10h08
